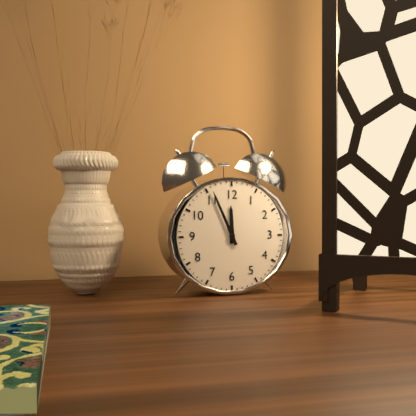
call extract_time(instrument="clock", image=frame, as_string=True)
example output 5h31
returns 11h56
